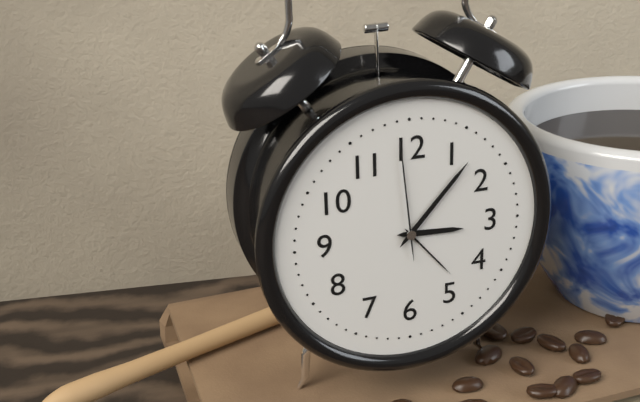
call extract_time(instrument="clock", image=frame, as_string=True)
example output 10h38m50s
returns 3h07m59s
